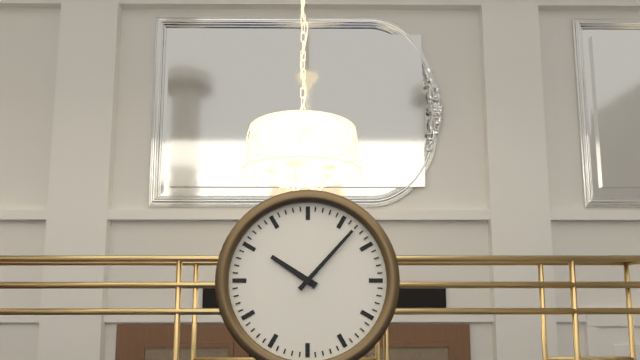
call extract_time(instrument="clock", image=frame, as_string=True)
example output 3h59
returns 10h07
